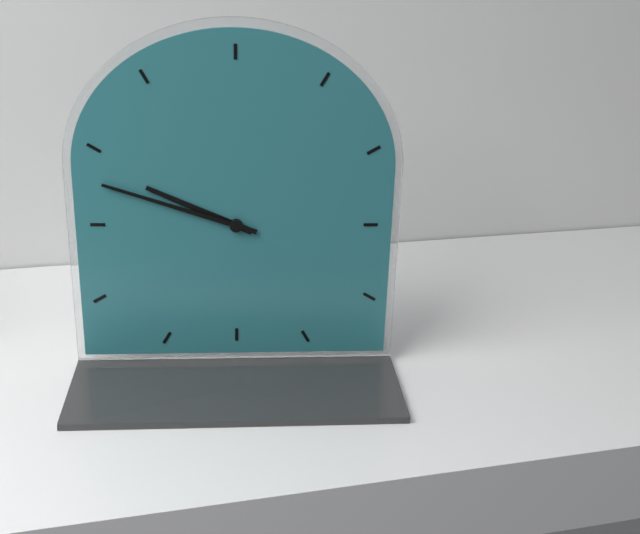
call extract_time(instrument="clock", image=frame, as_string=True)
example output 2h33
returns 9h48
